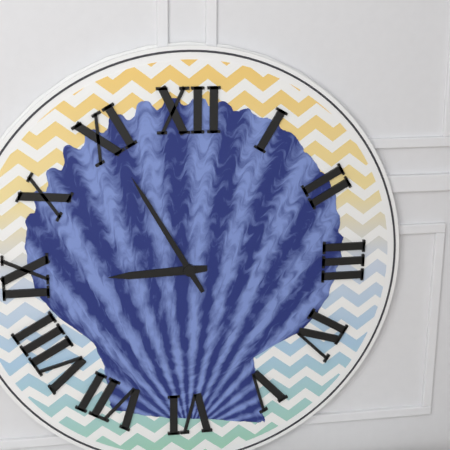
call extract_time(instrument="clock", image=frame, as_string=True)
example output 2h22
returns 8h55
